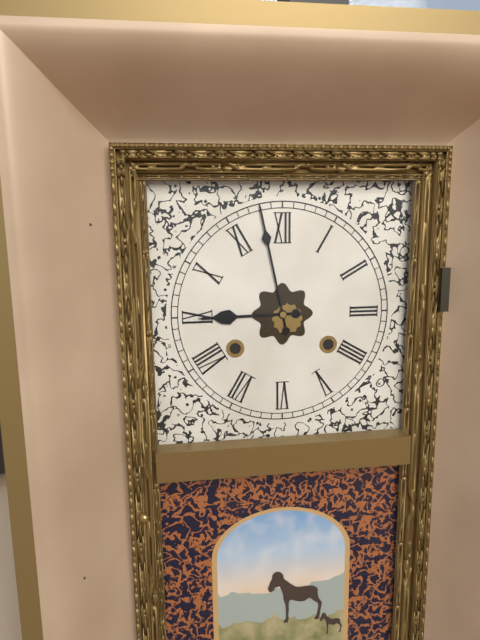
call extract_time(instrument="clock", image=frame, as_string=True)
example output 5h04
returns 8h58
